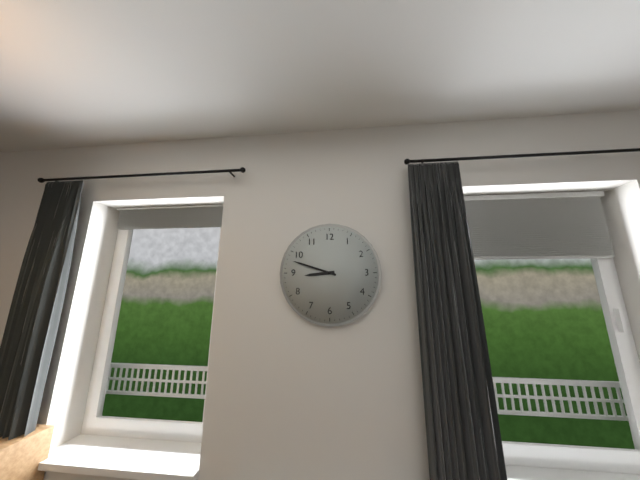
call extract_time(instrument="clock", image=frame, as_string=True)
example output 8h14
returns 8h48
